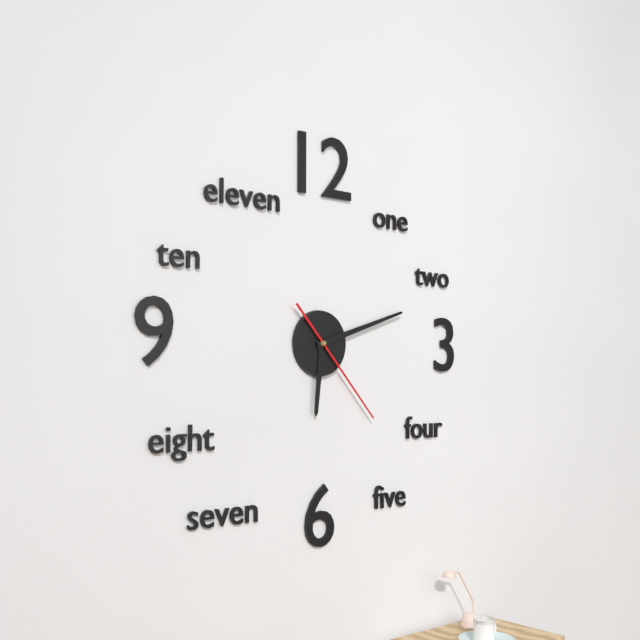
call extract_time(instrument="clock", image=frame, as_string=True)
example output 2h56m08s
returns 6h12m23s
